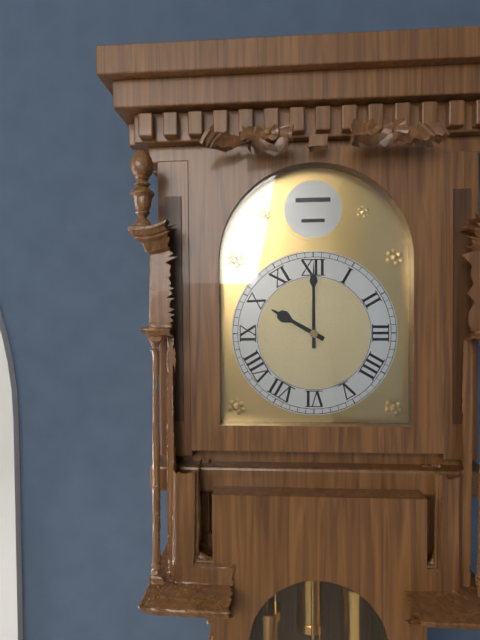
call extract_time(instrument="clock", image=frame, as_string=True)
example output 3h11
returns 10h00
